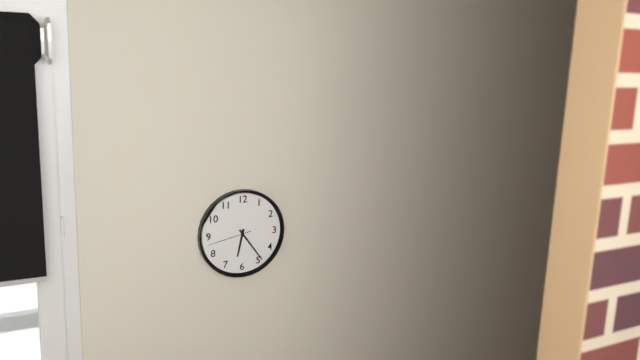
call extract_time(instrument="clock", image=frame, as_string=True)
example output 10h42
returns 6h24
